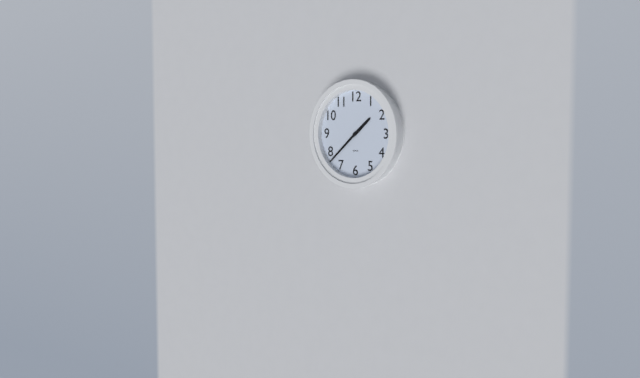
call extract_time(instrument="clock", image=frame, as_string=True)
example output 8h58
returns 1h38
